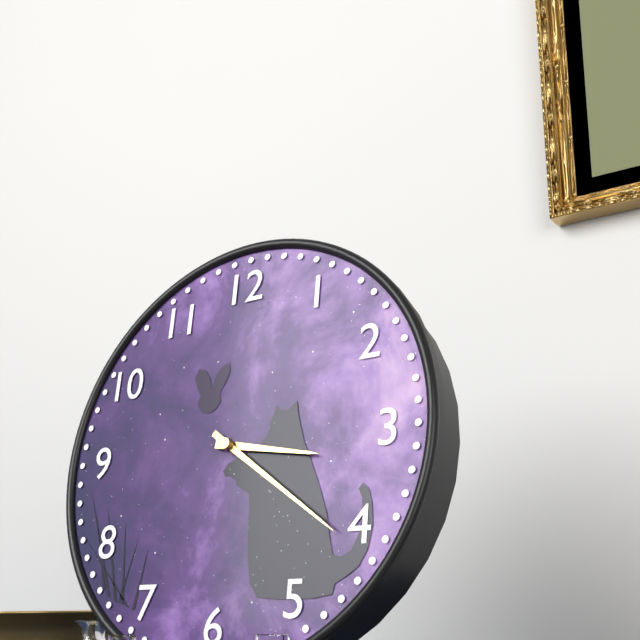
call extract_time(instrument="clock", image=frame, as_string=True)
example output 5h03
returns 3h21
